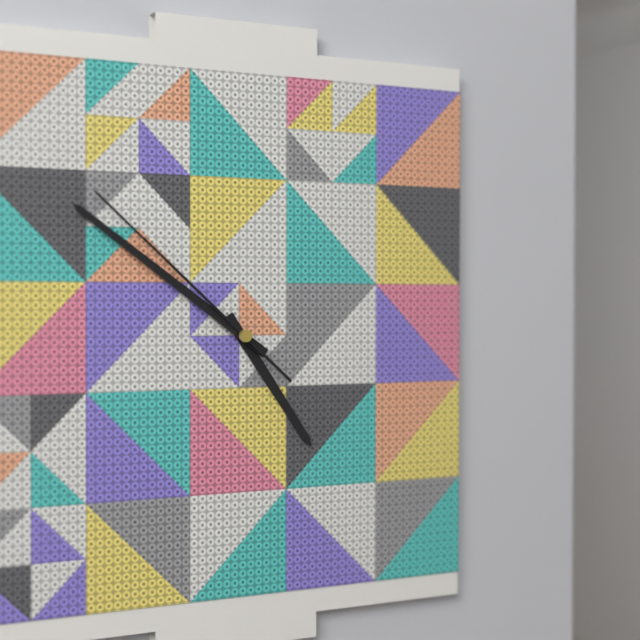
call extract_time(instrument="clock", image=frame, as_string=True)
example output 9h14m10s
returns 4h51m52s
